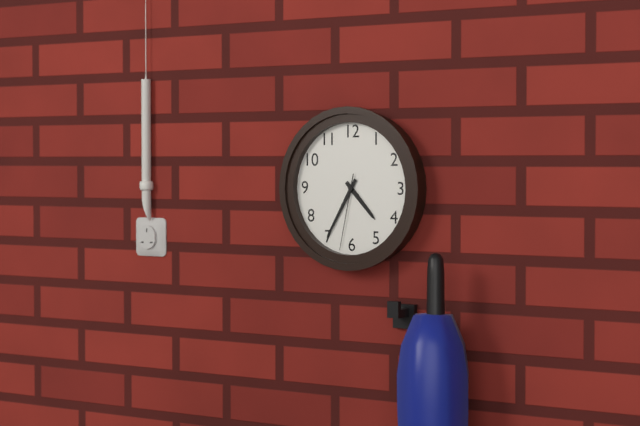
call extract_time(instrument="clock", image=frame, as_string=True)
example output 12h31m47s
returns 4h35m32s
